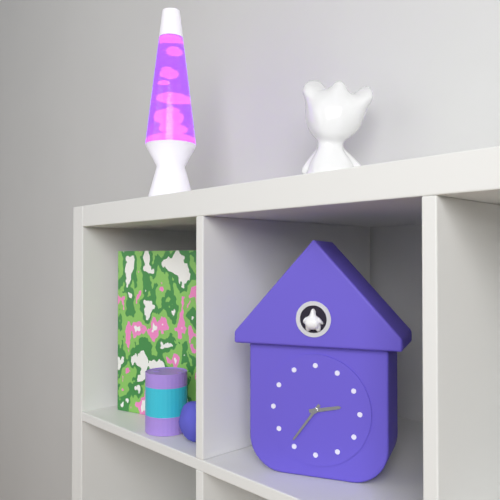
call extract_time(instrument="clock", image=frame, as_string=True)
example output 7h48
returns 2h36
